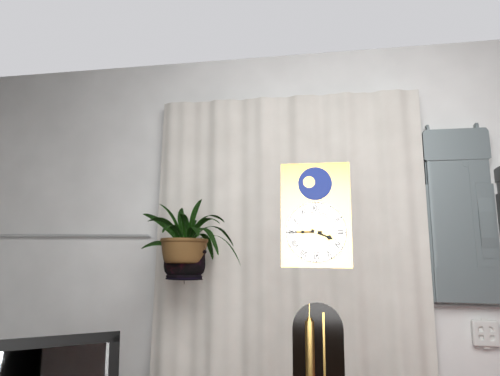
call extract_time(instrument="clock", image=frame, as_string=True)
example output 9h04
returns 3h45
